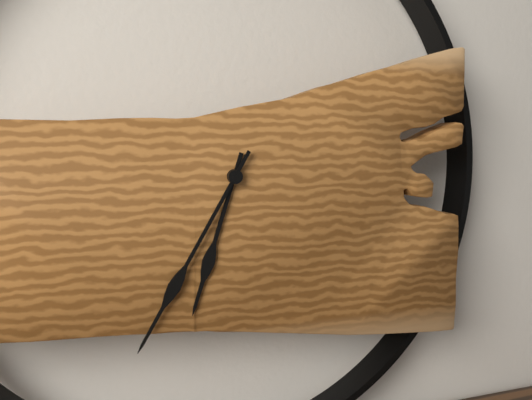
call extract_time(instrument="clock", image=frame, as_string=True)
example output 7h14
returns 6h35
